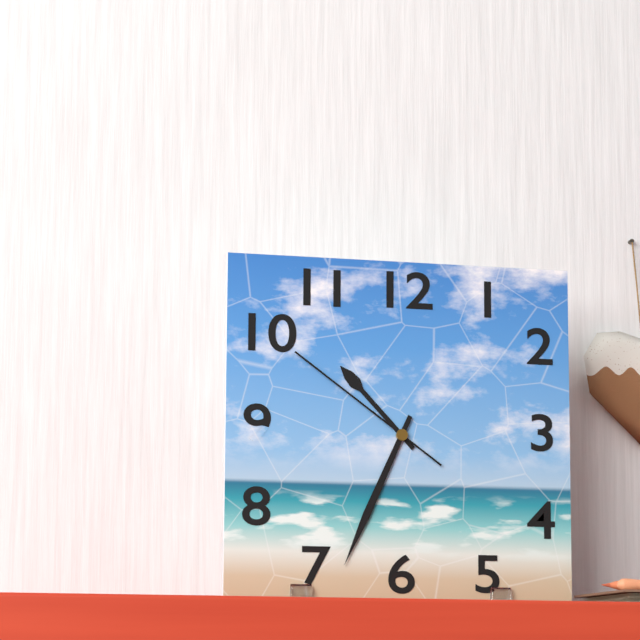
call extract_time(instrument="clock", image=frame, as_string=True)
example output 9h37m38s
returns 10h34m51s
